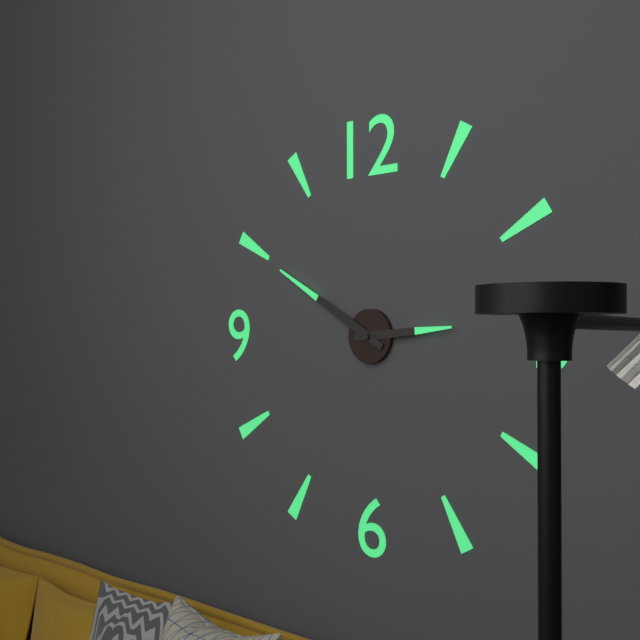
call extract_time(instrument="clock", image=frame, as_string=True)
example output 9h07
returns 2h50
